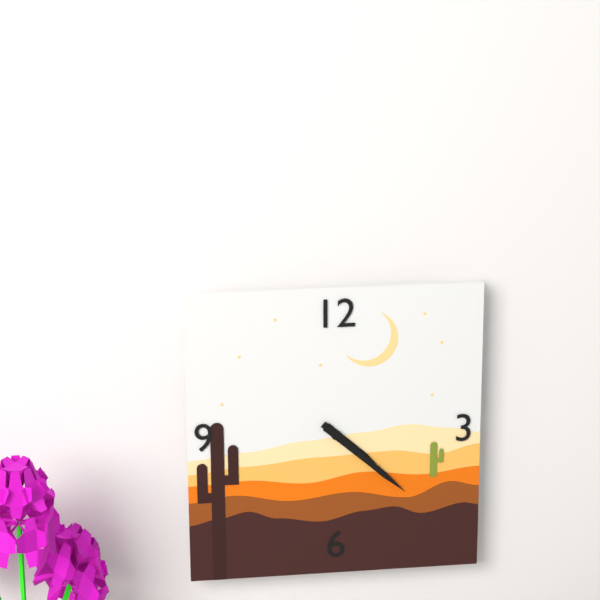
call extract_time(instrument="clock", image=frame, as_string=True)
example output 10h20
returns 4h22
